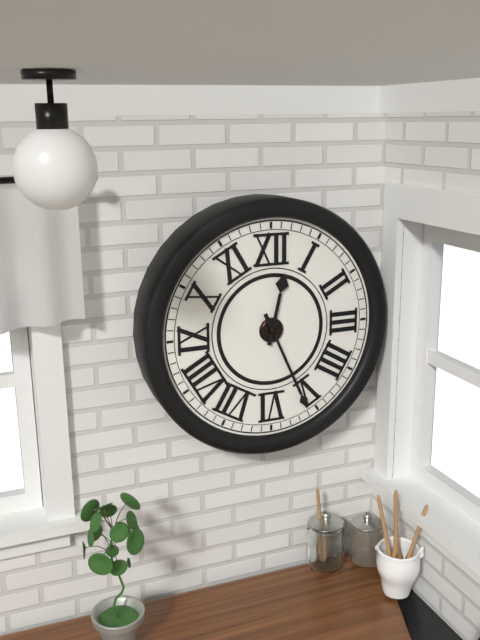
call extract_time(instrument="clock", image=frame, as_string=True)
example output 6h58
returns 12h26
